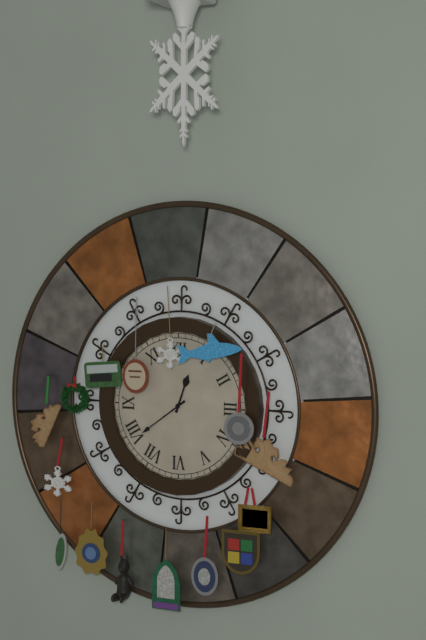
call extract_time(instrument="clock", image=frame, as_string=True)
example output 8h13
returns 12h39
